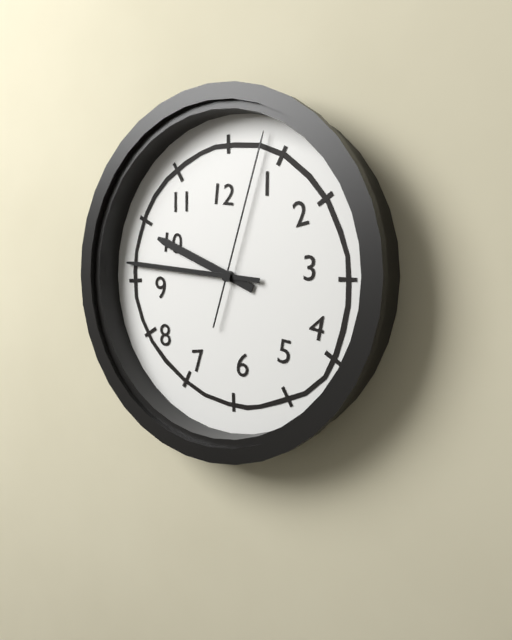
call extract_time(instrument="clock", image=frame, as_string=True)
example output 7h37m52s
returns 9h46m03s
